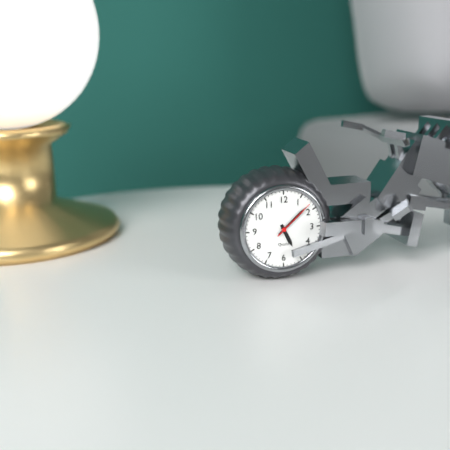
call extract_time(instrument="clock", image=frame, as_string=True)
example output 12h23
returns 5h08
